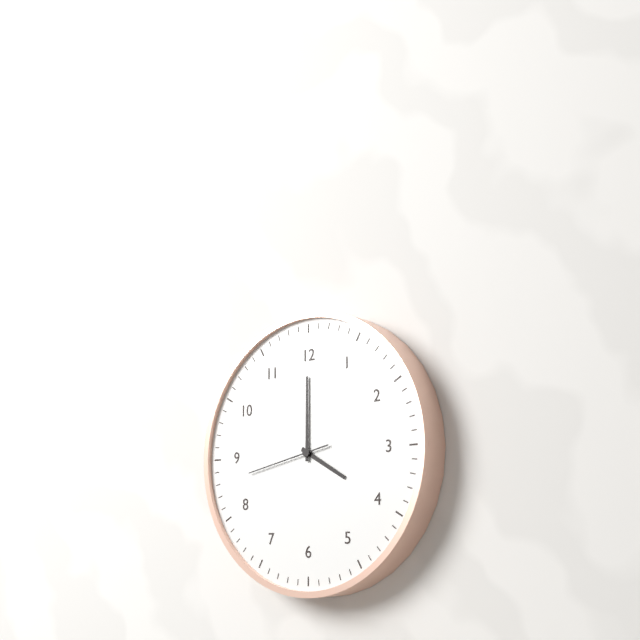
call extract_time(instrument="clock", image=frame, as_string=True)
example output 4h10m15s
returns 4h00m43s
